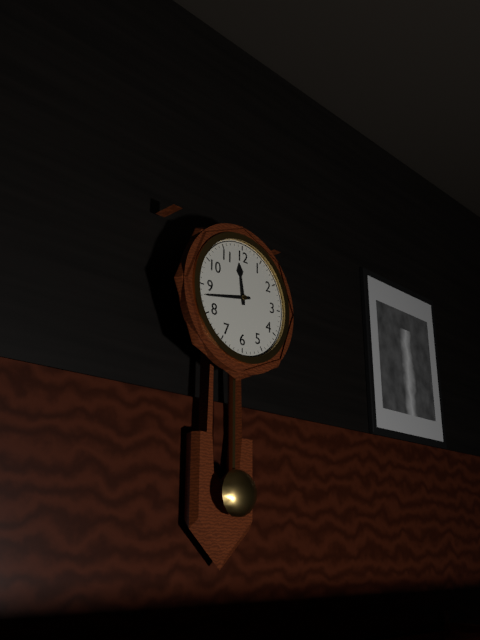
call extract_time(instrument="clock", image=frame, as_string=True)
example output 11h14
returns 11h43
